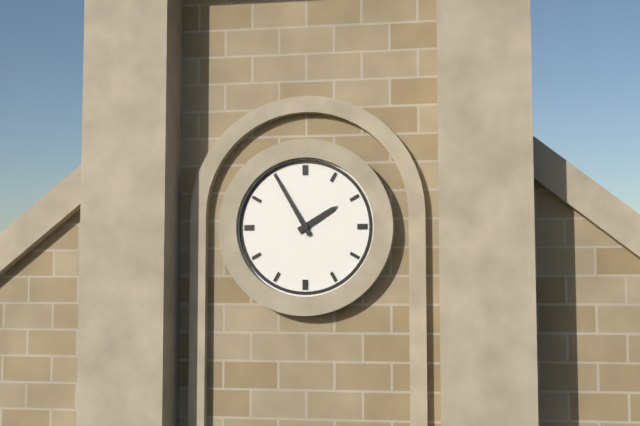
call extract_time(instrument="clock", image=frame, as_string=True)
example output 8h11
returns 1h55
